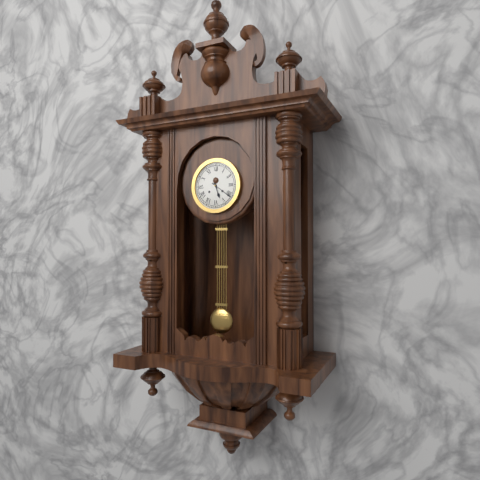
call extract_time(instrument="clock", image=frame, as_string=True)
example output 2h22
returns 5h21
